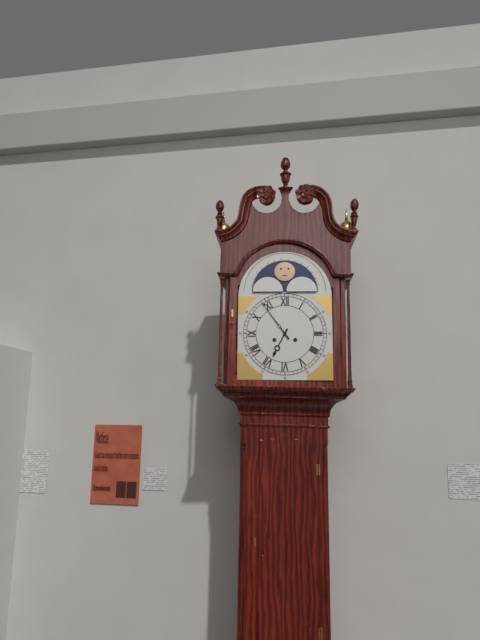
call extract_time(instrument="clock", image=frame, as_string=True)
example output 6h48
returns 6h54
